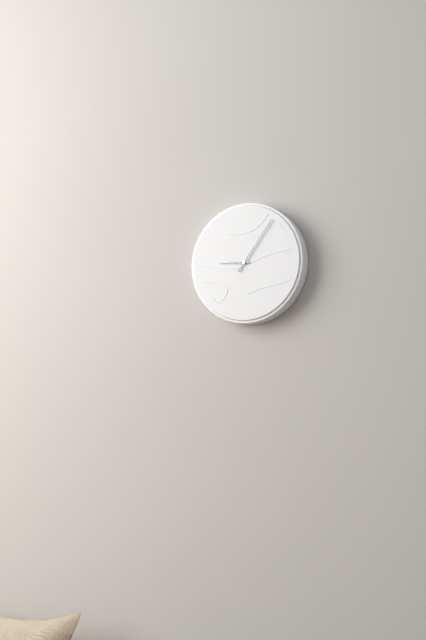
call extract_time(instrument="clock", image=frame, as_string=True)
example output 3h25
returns 9h06
